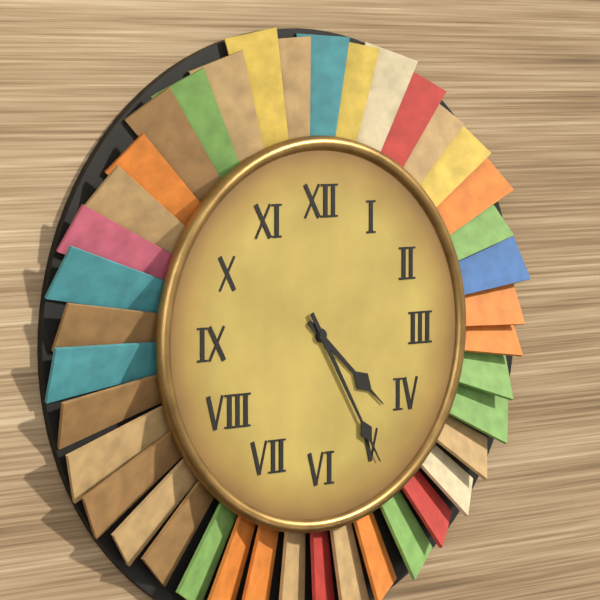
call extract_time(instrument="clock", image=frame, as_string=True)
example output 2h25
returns 4h25
